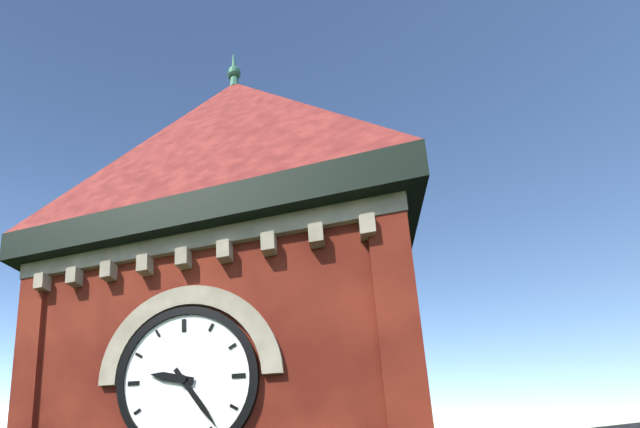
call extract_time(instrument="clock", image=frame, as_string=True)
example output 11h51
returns 9h24
